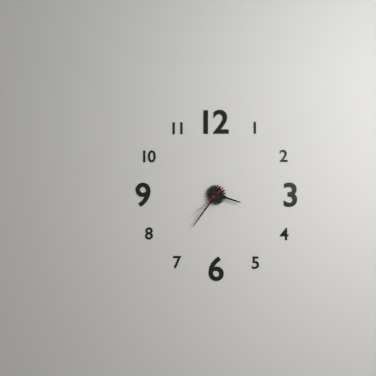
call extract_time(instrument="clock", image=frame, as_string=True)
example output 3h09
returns 3h36
